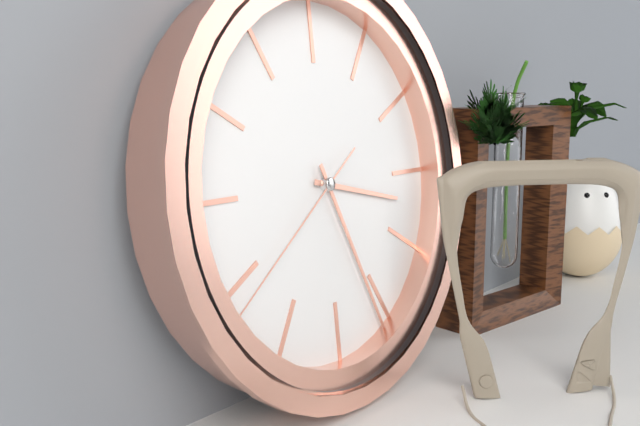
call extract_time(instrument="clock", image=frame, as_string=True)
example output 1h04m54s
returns 3h26m39s
